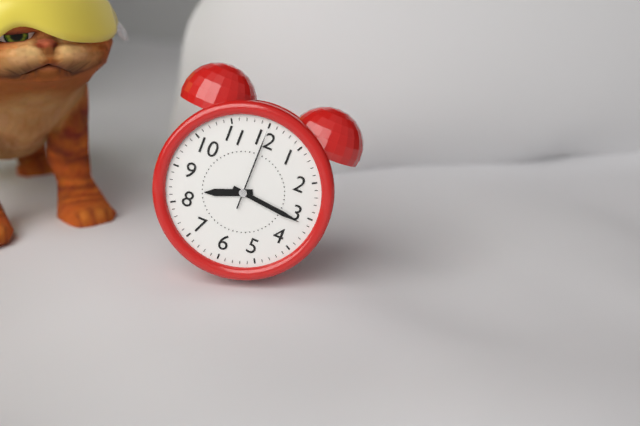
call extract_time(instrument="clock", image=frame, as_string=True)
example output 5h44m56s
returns 8h16m00s
